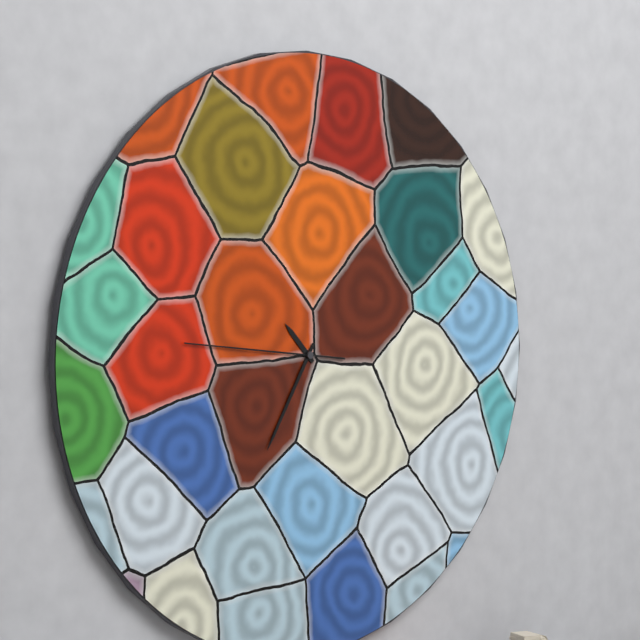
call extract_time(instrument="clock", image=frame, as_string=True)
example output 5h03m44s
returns 10h35m46s
